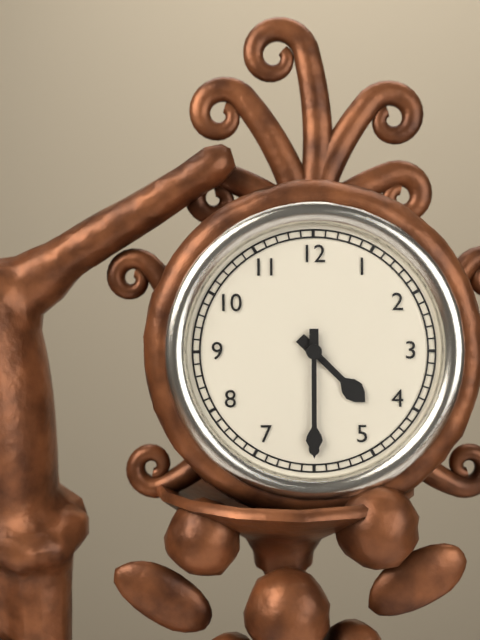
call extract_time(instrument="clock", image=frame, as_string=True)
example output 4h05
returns 4h30
